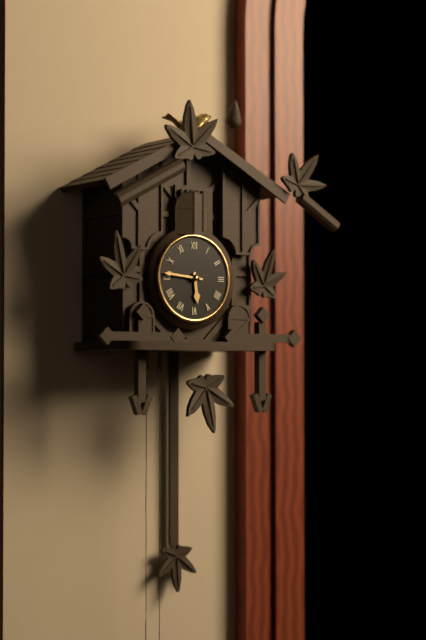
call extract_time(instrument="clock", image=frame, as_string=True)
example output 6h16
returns 5h46
